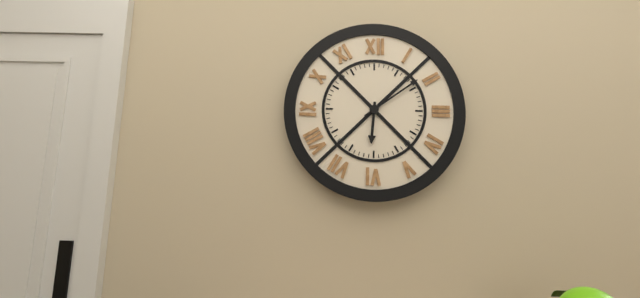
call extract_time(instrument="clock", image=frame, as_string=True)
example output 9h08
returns 6h09
